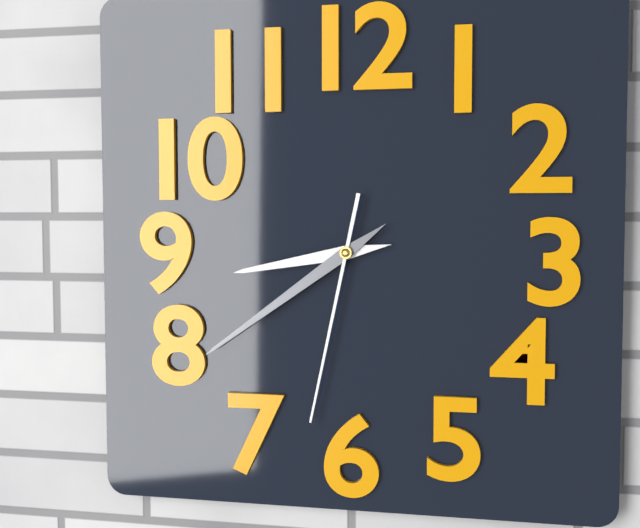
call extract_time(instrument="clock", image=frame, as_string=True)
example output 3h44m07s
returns 8h39m32s
